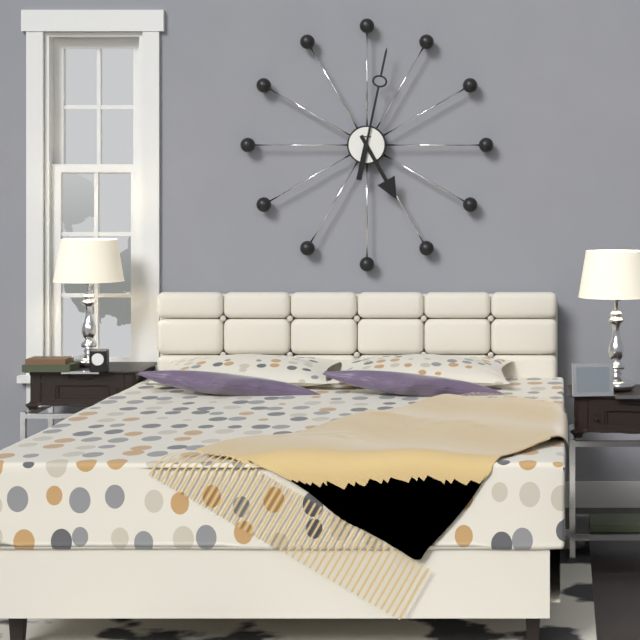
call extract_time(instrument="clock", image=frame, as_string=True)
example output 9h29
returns 5h02
